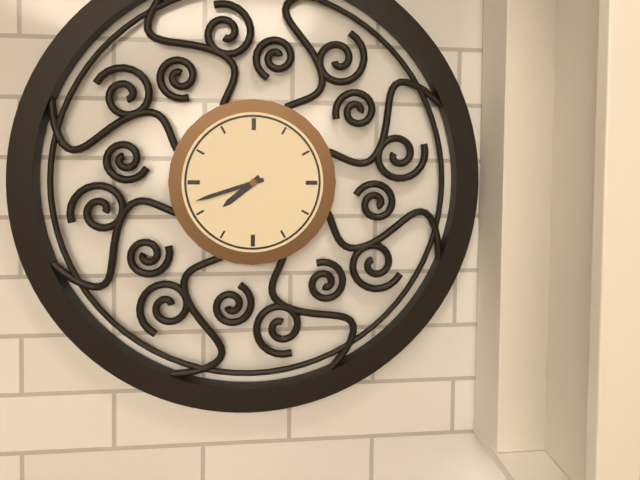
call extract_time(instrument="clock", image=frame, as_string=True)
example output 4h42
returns 7h42
